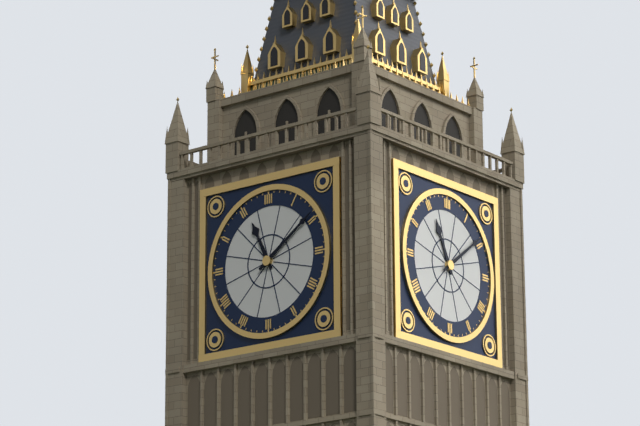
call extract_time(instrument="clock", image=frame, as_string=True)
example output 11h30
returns 11h09
